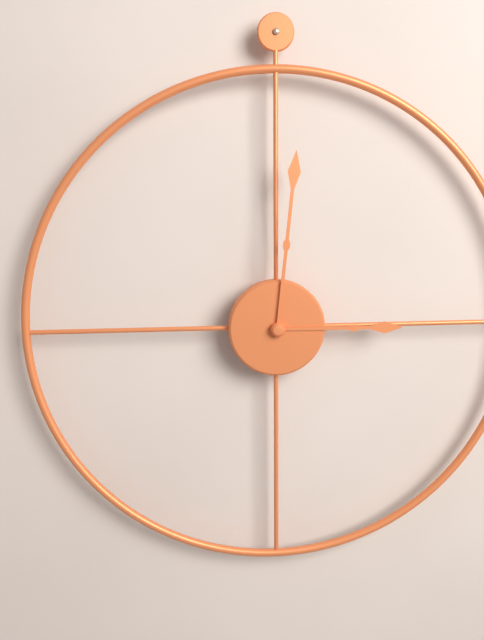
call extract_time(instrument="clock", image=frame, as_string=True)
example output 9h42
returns 3h01
